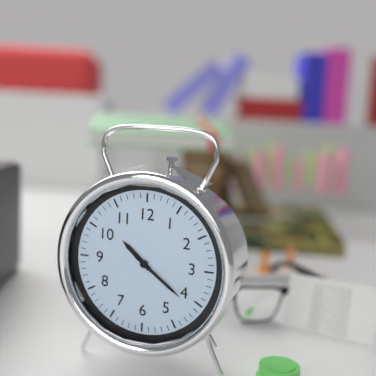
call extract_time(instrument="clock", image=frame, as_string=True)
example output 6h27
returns 10h21
